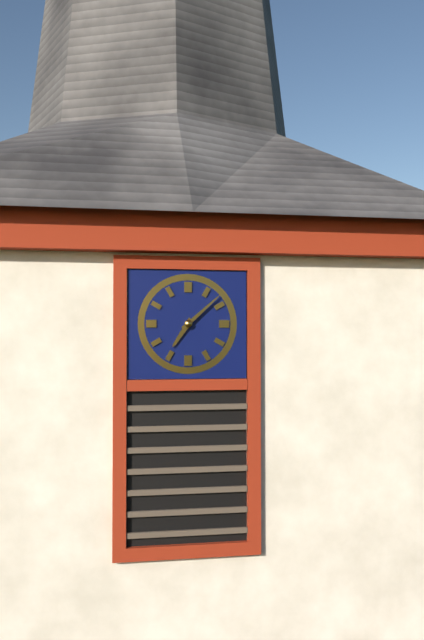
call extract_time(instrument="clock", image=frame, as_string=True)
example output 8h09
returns 7h08
